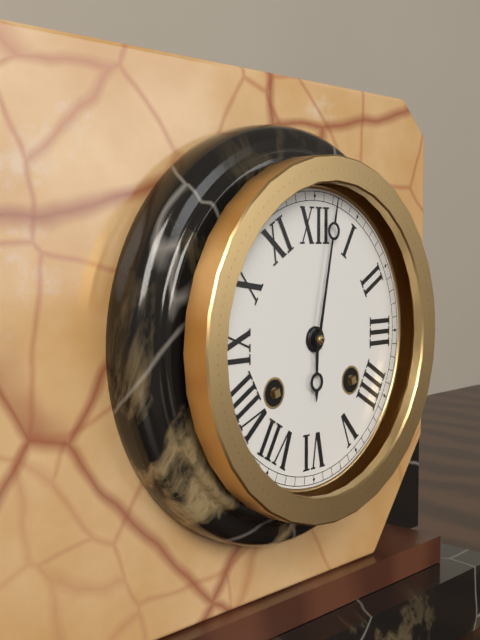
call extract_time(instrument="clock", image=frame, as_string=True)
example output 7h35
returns 6h02
